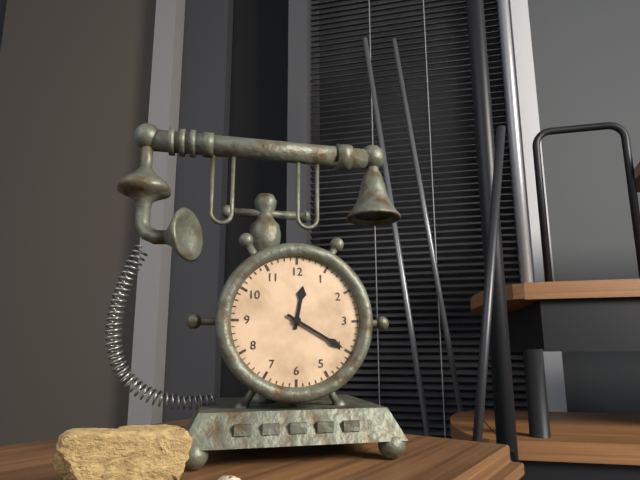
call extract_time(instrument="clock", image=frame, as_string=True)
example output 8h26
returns 12h20
